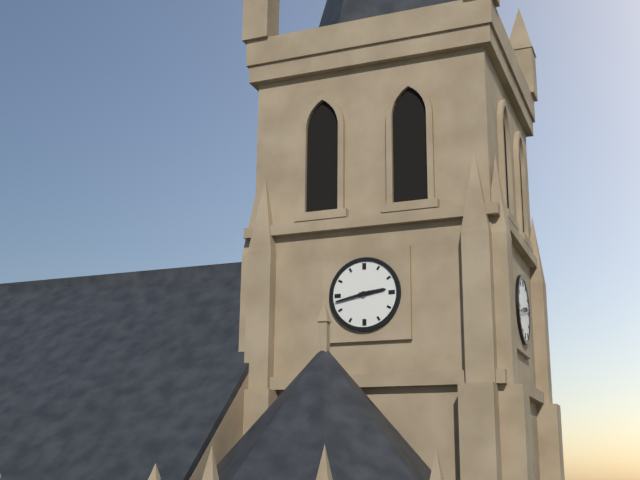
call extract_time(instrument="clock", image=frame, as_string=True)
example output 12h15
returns 2h43
